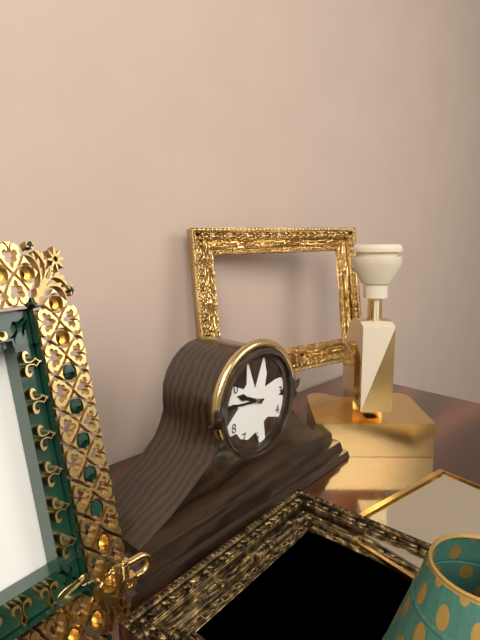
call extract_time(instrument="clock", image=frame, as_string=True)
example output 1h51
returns 9h46
